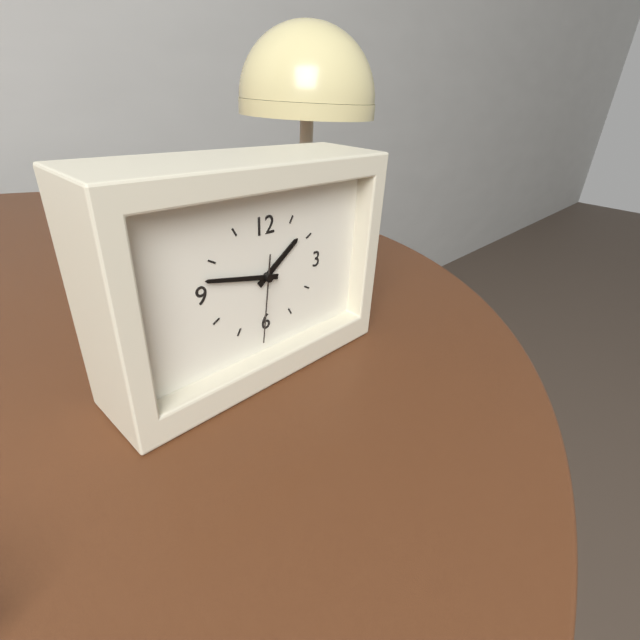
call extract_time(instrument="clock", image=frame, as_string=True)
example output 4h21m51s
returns 1h47m31s
